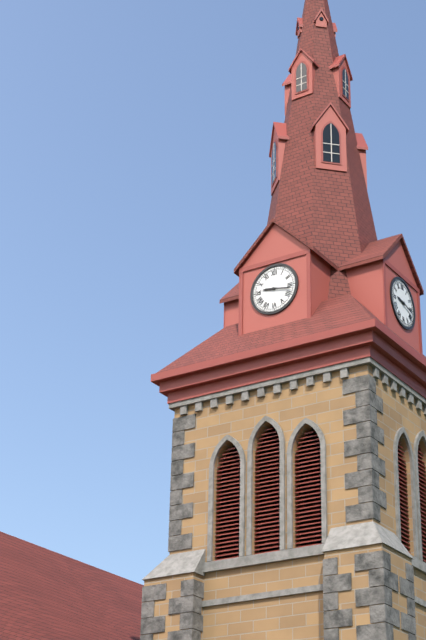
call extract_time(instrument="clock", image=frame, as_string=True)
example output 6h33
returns 9h17
